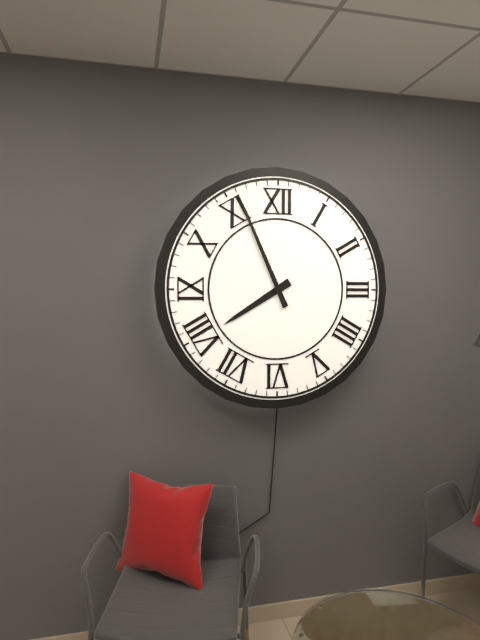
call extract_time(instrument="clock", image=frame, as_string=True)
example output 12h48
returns 7h56
